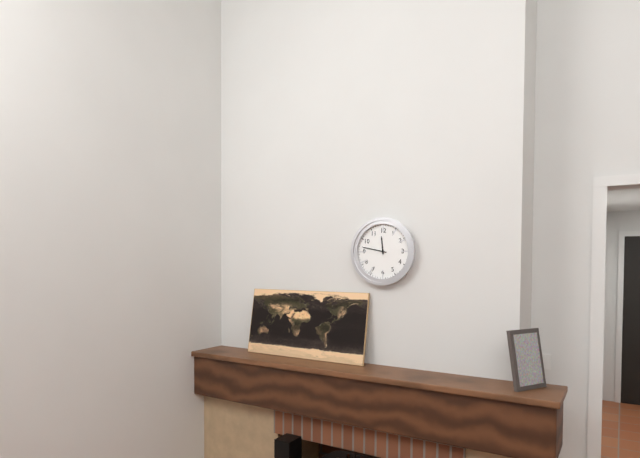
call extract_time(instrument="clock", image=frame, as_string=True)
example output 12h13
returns 11h47
